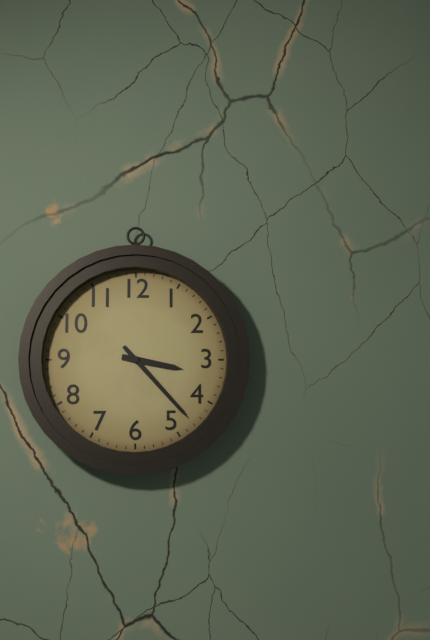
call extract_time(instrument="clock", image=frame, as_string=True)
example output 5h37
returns 3h23
